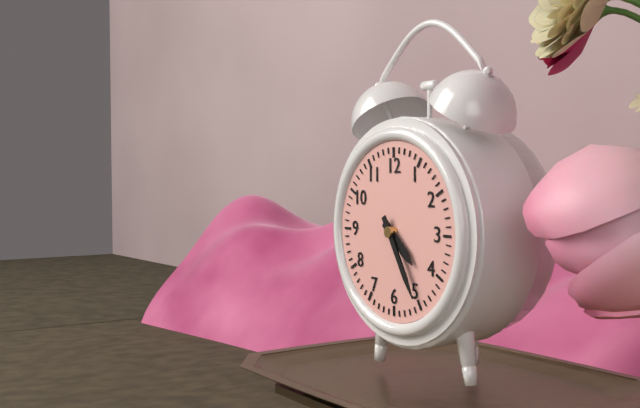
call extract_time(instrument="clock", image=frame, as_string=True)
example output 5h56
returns 4h25
